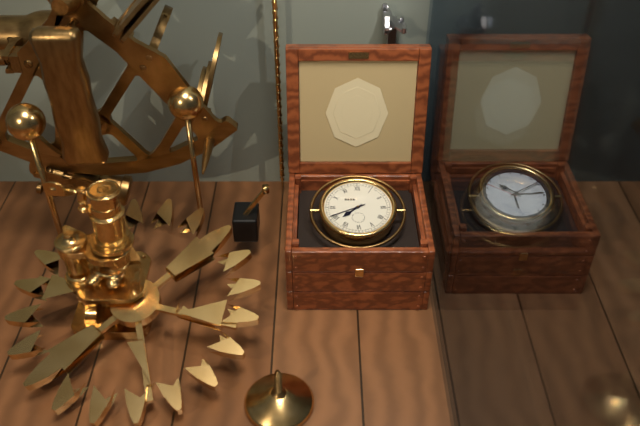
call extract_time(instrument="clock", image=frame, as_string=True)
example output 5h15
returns 7h41
